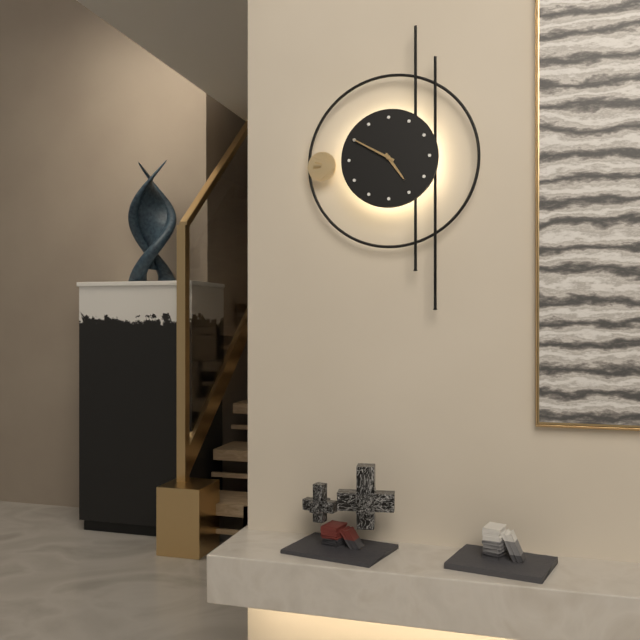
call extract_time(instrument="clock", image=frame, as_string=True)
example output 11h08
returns 4h50
